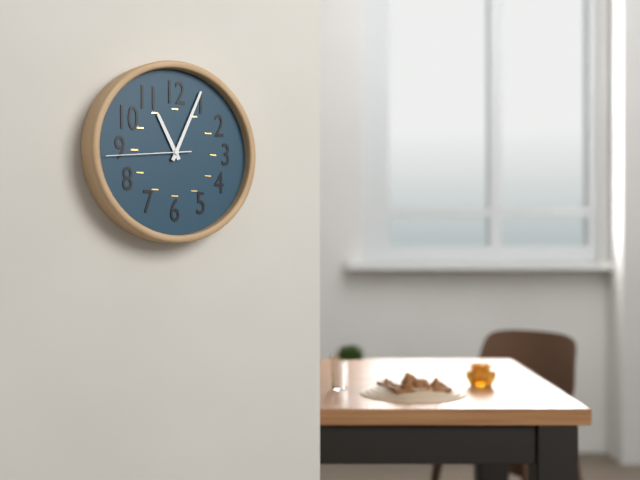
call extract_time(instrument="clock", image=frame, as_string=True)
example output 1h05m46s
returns 11h04m44s
